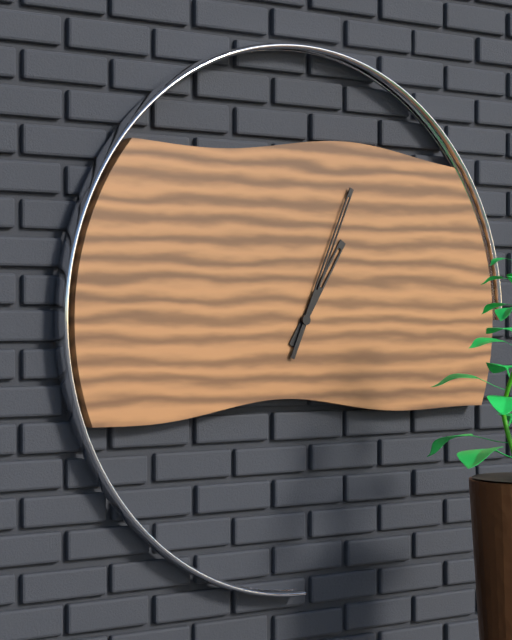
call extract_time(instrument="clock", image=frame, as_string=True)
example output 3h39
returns 1h04
